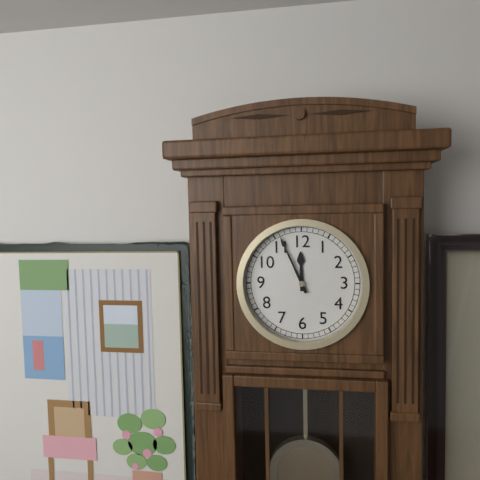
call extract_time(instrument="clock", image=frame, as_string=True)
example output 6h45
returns 11h56
